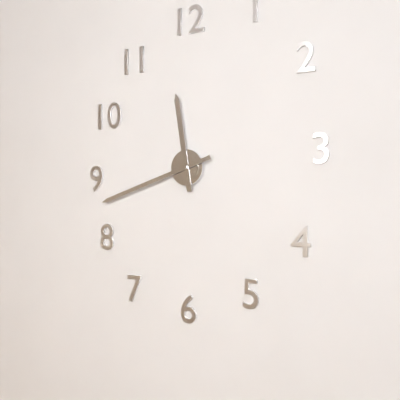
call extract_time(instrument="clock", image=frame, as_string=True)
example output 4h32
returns 11h42
